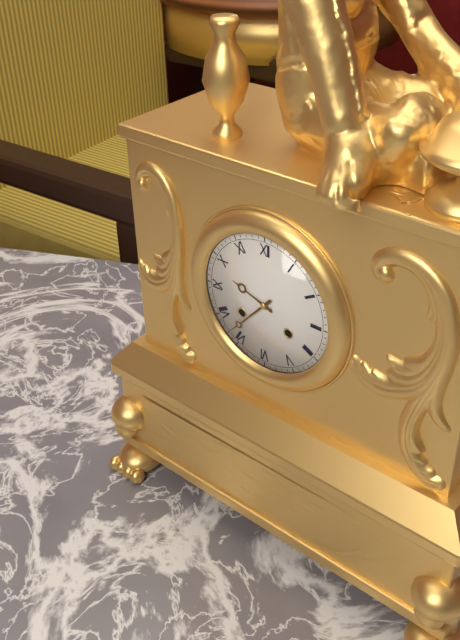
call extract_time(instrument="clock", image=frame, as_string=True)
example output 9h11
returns 9h37
